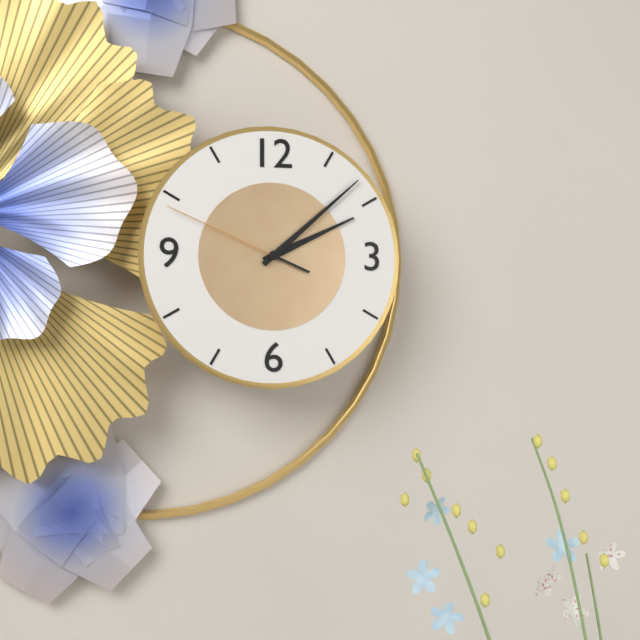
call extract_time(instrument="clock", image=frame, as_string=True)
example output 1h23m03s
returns 2h08m49s
